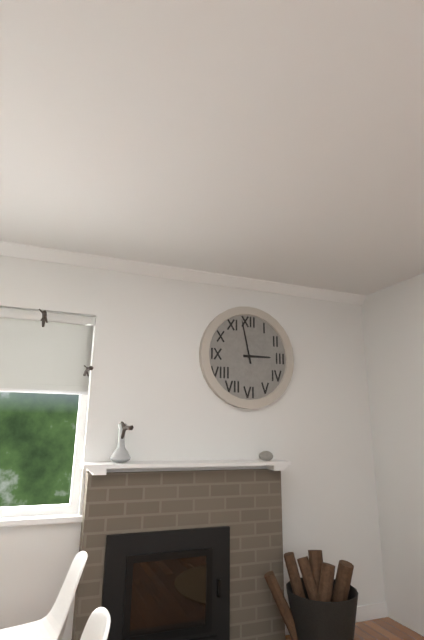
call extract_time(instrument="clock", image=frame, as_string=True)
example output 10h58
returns 2h58
